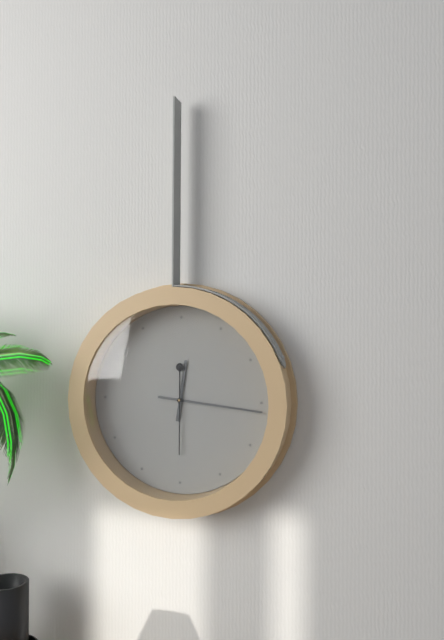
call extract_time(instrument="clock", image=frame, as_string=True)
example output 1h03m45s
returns 12h16m30s
